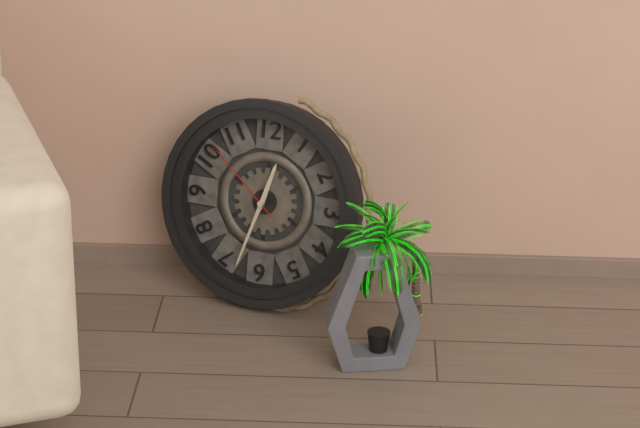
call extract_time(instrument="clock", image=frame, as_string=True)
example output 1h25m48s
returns 12h33m52s
